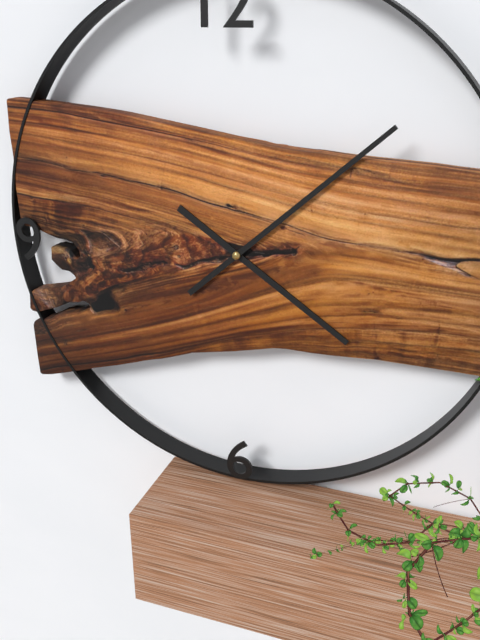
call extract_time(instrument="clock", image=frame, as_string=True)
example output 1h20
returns 4h08
